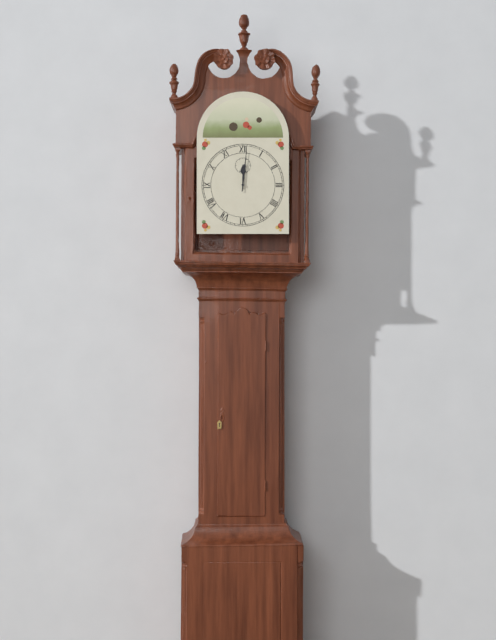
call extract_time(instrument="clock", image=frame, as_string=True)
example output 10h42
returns 12h01
